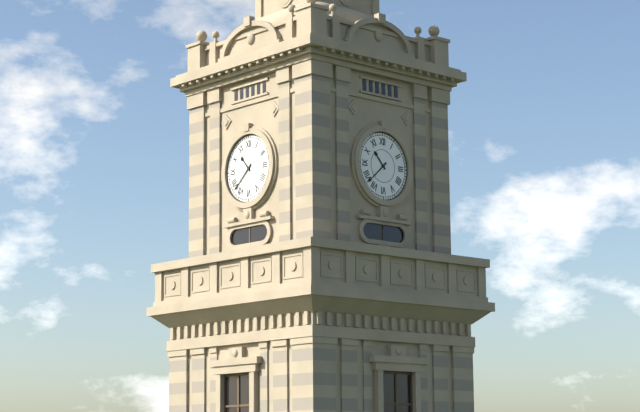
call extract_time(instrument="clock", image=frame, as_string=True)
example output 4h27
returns 10h38
